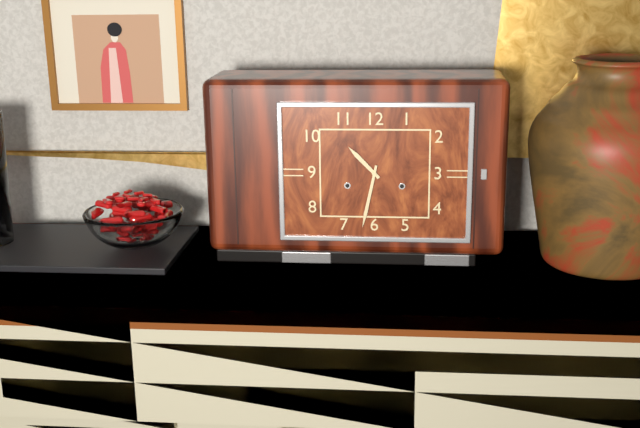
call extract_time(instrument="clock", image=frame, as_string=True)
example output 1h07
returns 10h32
